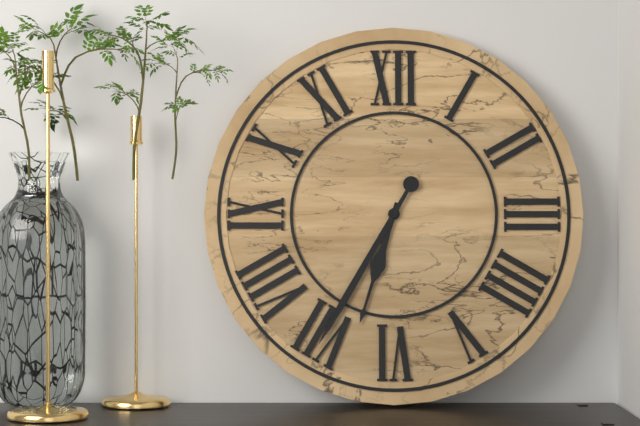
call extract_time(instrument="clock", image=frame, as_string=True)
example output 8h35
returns 6h35
